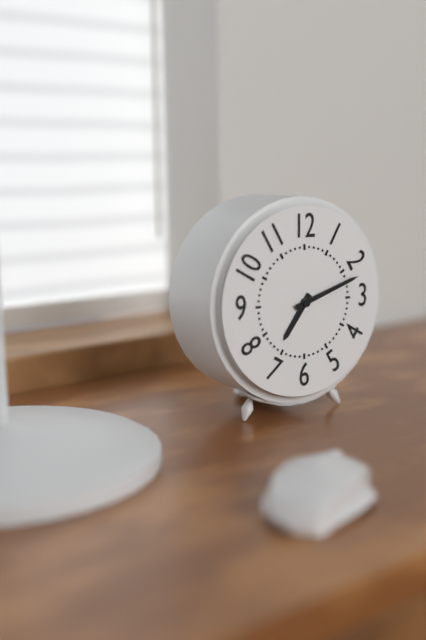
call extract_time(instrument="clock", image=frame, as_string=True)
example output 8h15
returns 7h12
